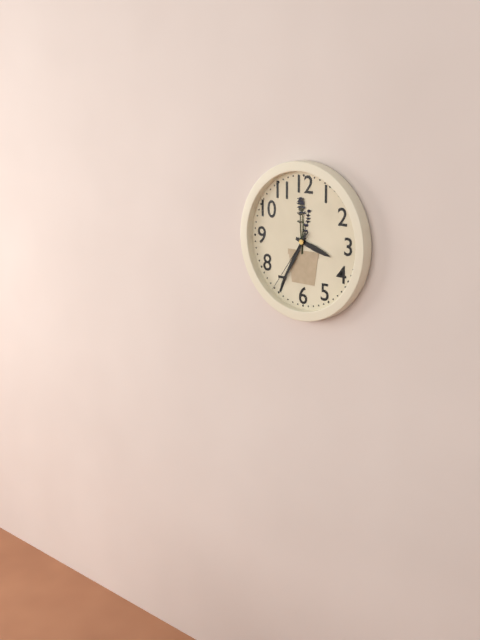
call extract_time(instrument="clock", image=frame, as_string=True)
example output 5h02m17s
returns 3h35m36s
